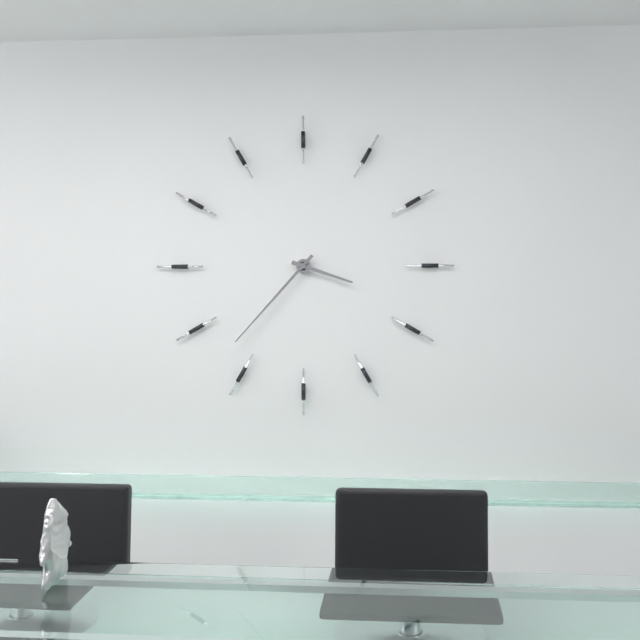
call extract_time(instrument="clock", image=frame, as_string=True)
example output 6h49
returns 3h37
